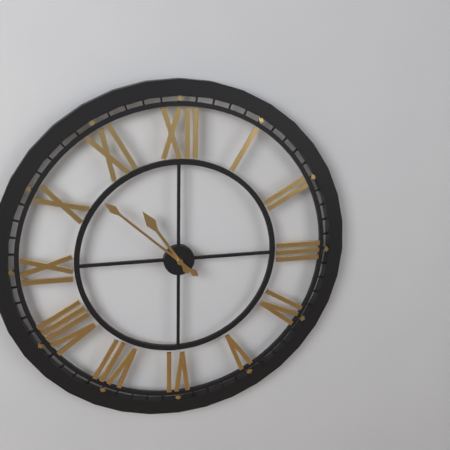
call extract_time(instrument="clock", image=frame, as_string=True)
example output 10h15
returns 10h52
